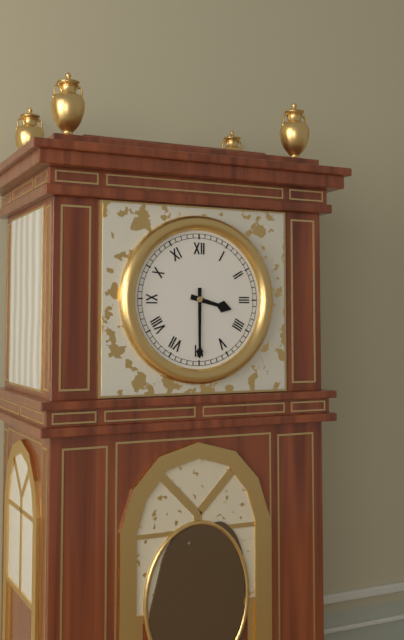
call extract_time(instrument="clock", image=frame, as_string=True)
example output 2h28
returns 3h30
